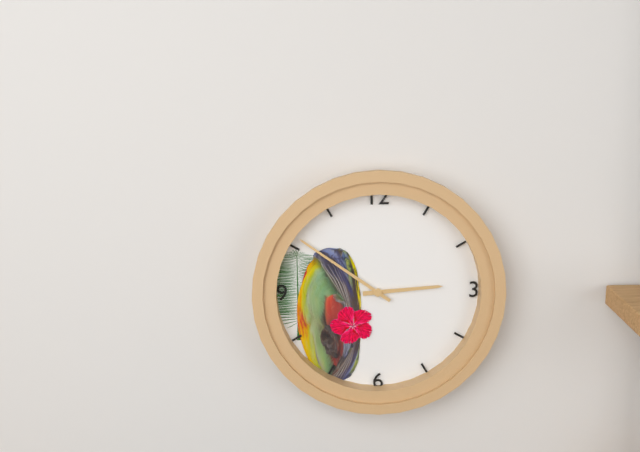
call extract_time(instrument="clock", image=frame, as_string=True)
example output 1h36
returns 2h51
